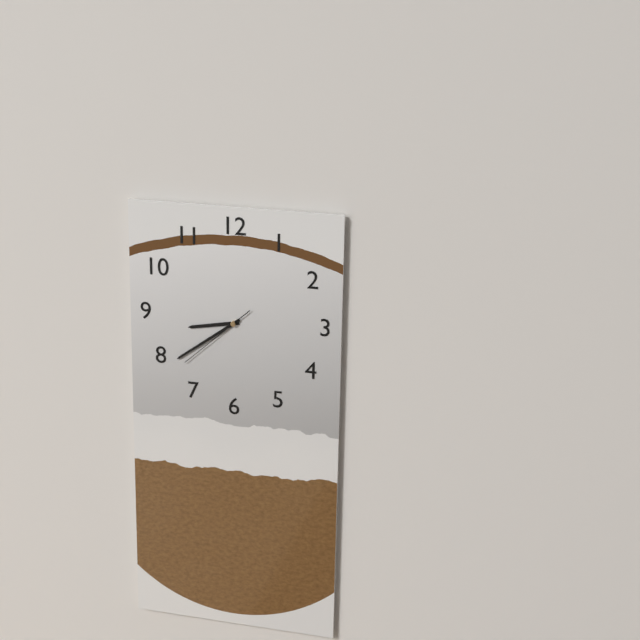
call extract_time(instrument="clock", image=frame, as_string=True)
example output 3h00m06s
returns 8h39m38s
